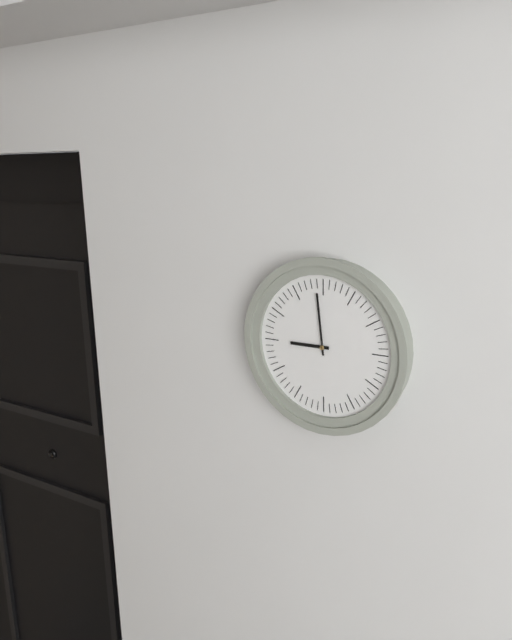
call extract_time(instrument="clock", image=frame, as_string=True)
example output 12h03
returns 8h59
